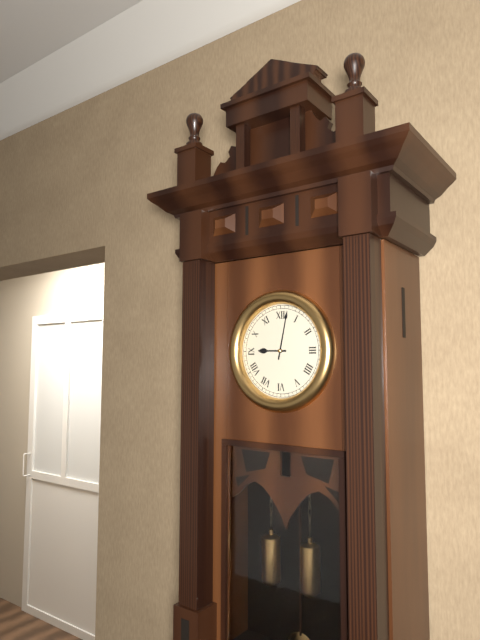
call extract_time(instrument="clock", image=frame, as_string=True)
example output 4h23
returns 9h02
